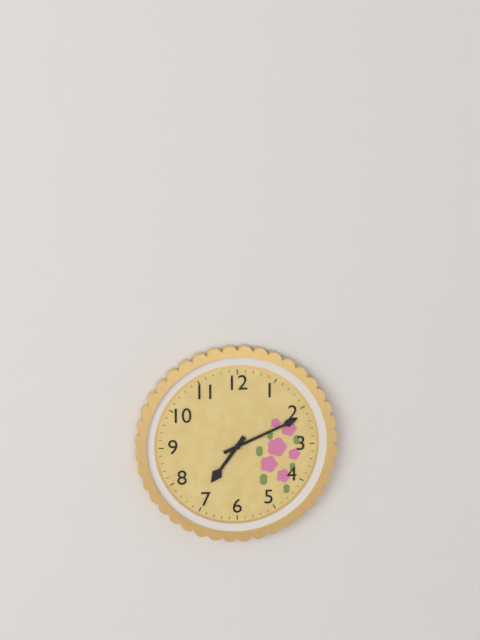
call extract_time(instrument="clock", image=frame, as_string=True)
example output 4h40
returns 7h11
